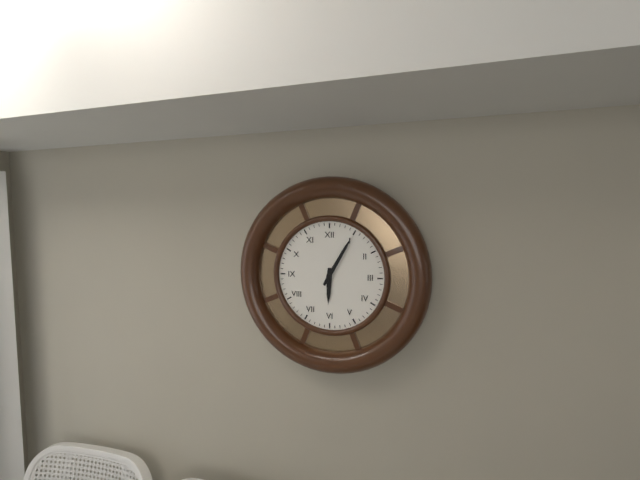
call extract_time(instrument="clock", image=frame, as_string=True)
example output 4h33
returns 6h05
